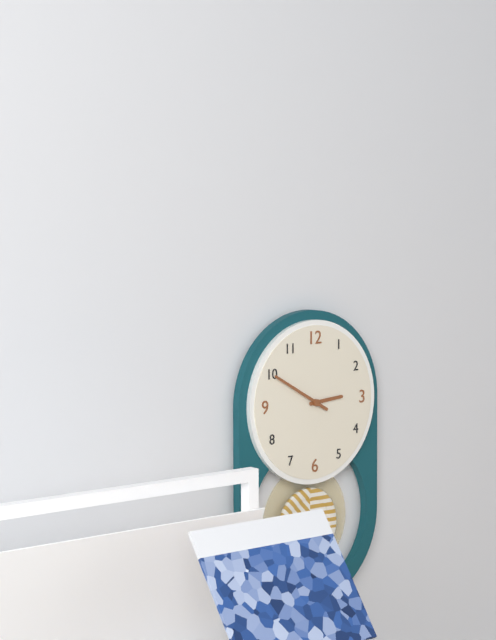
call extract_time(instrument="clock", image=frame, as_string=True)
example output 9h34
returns 2h50
